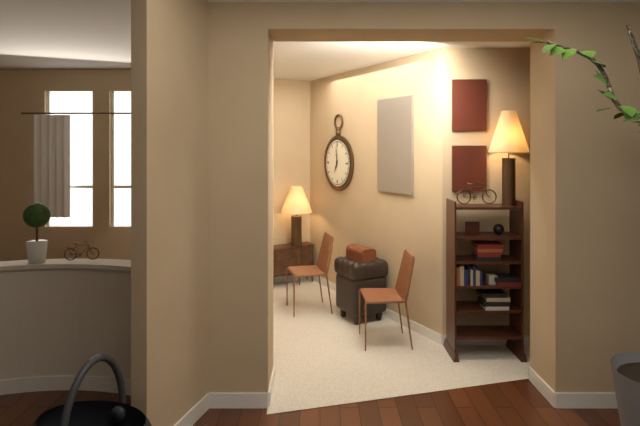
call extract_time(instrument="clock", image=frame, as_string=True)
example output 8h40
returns 6h59
